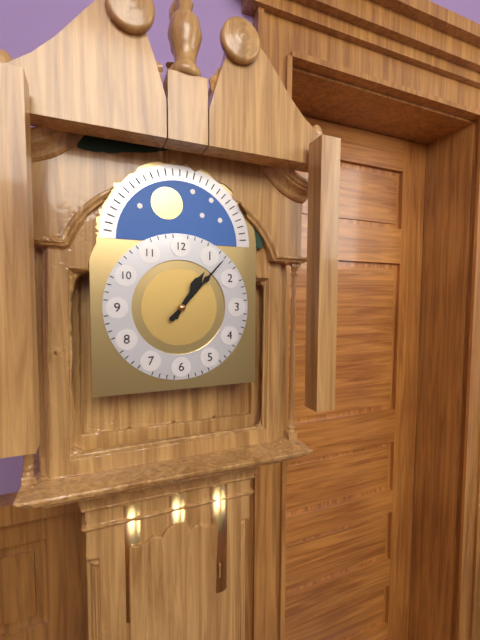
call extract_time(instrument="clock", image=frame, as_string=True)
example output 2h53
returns 1h07
